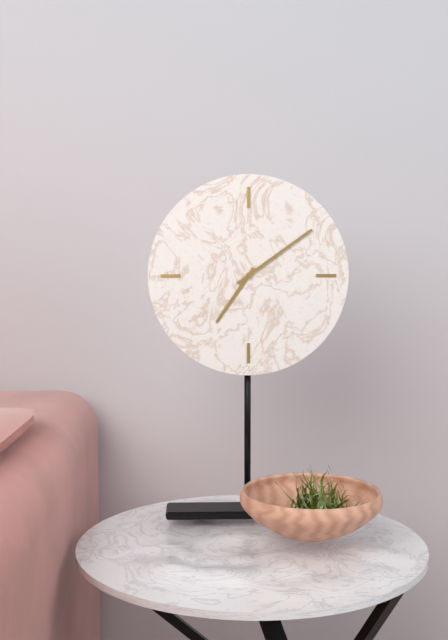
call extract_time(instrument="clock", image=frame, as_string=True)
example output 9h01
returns 7h09
